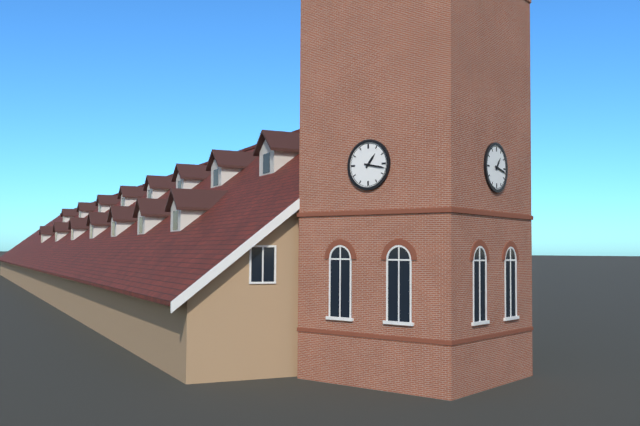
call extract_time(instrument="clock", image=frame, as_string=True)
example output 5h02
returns 1h17
